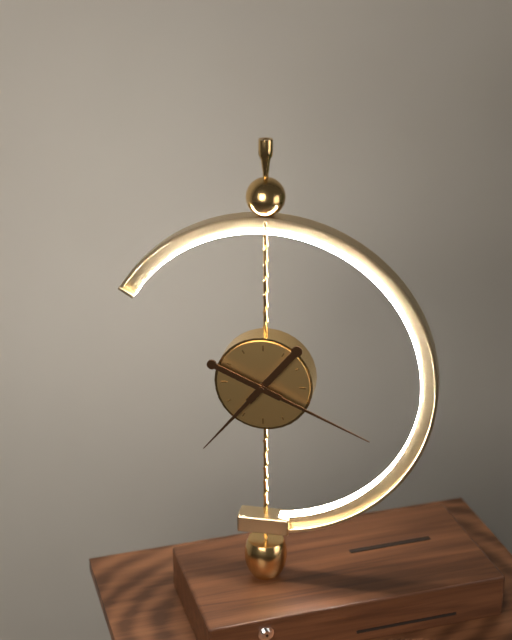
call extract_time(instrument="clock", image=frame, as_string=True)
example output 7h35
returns 7h19
